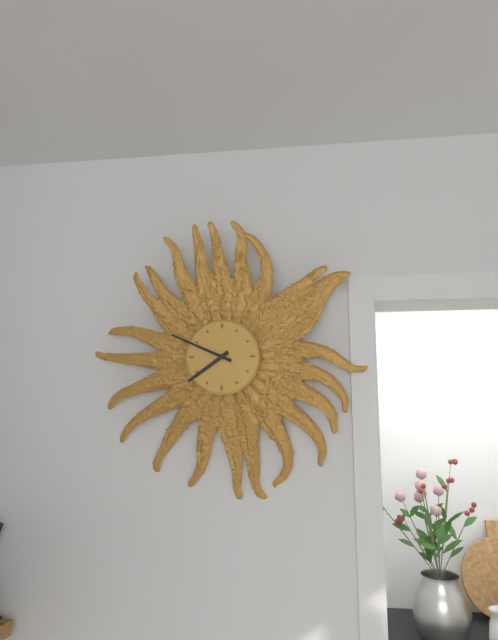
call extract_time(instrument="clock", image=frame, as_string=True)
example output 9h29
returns 7h49
